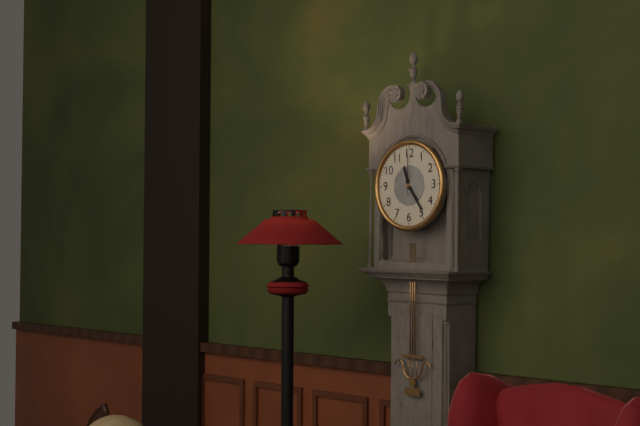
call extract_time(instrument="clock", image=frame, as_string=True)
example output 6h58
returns 11h24
